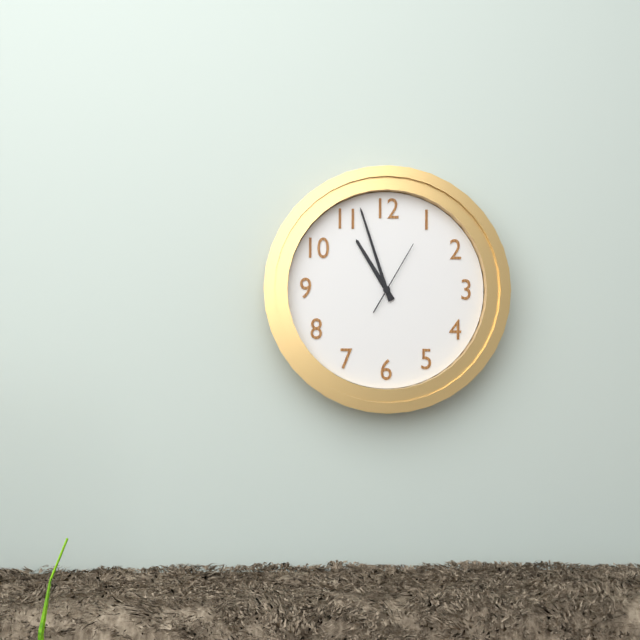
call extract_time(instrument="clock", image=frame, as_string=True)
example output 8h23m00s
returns 10h57m05s
